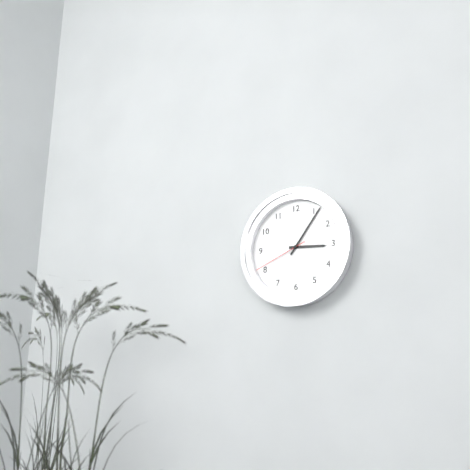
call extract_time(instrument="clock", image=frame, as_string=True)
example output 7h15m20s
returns 3h06m41s
